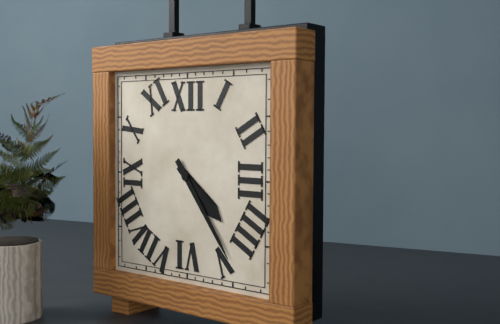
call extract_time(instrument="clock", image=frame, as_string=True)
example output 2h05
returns 4h24
